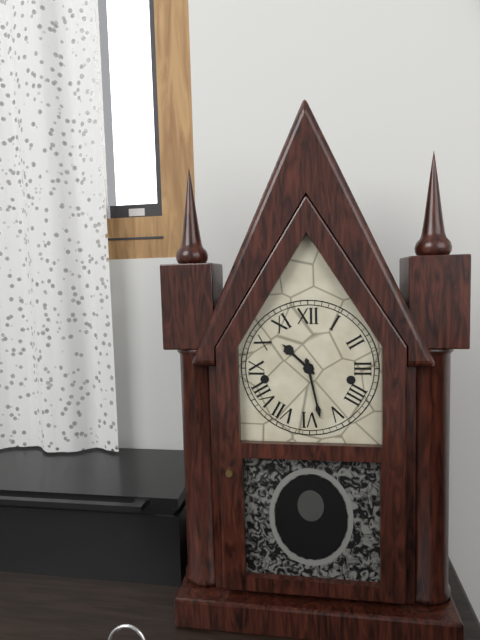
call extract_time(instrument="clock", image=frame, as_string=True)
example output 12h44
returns 10h28
